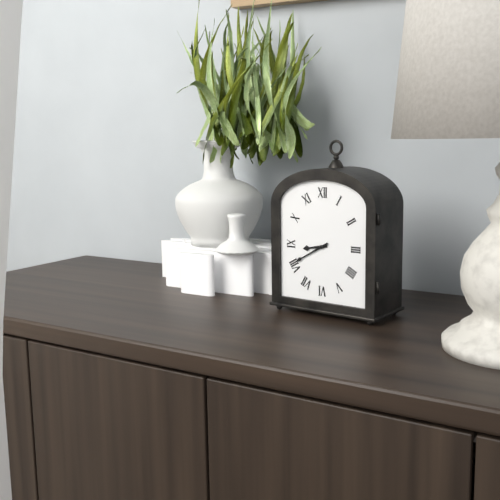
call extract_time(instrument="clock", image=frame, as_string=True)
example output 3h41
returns 8h40
